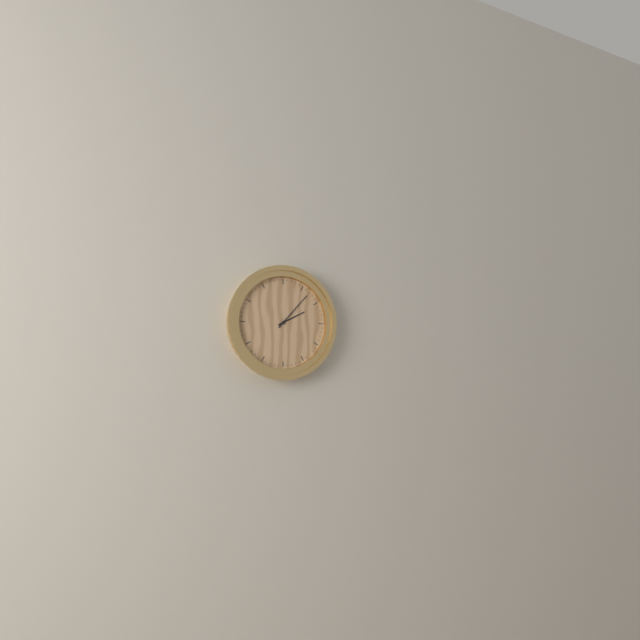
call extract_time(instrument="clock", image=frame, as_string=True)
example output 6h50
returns 2h07
